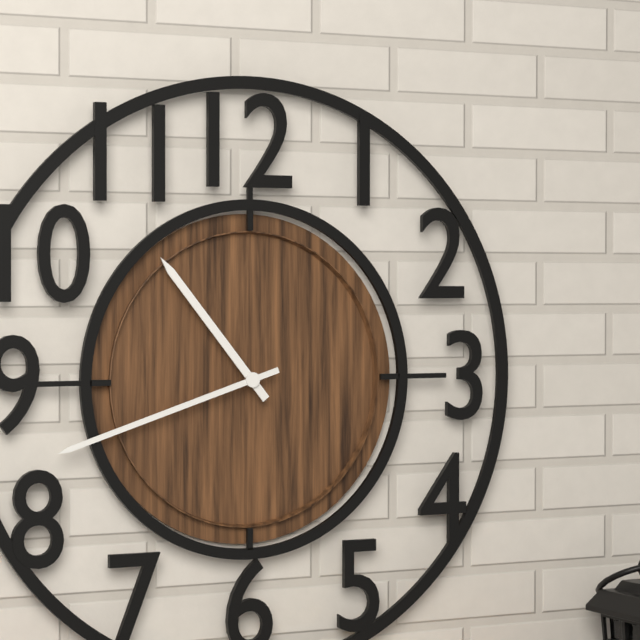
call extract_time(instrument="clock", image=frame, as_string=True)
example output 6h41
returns 10h42
